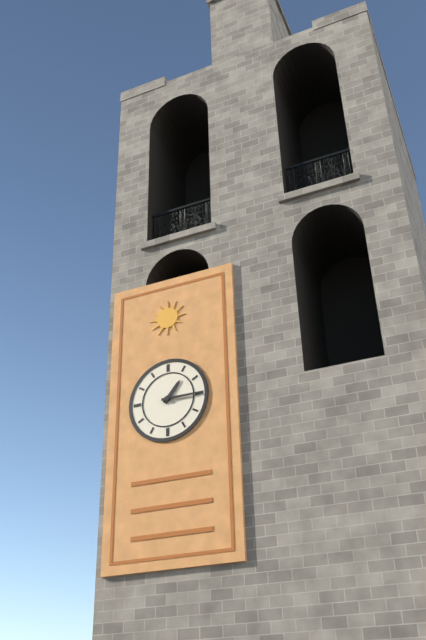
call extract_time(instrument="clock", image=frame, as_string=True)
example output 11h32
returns 1h15
